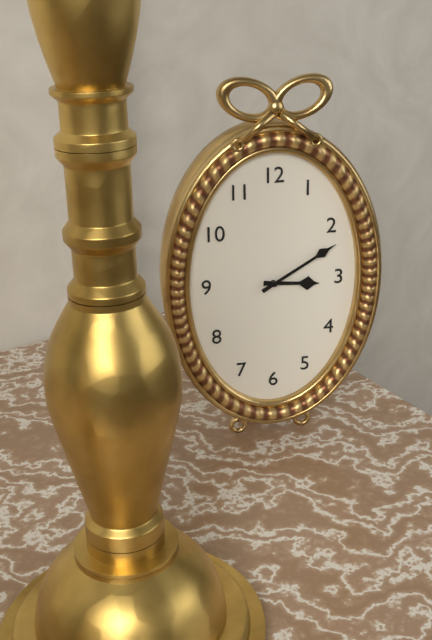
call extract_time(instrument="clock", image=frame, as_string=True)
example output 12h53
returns 3h10
